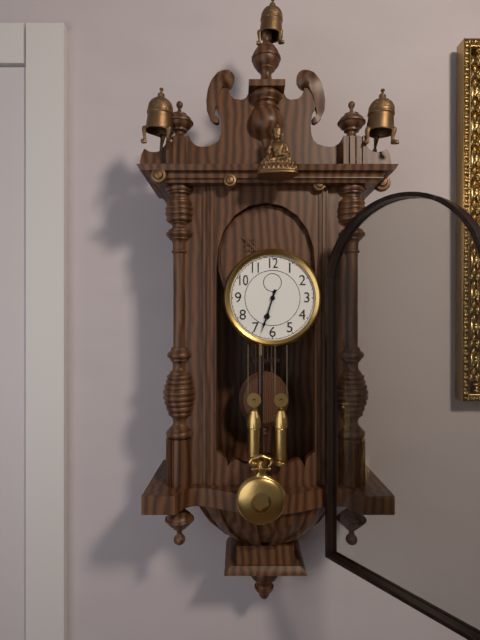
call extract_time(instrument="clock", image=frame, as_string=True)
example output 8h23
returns 6h33
